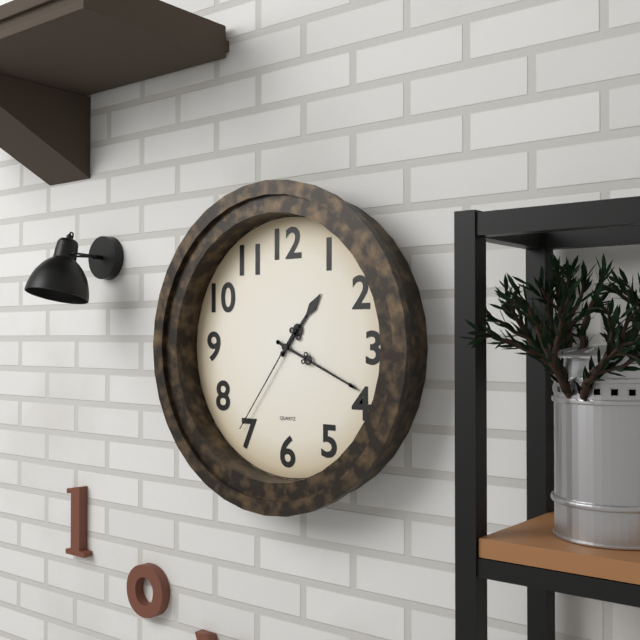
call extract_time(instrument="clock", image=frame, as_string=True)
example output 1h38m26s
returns 1h19m36s
